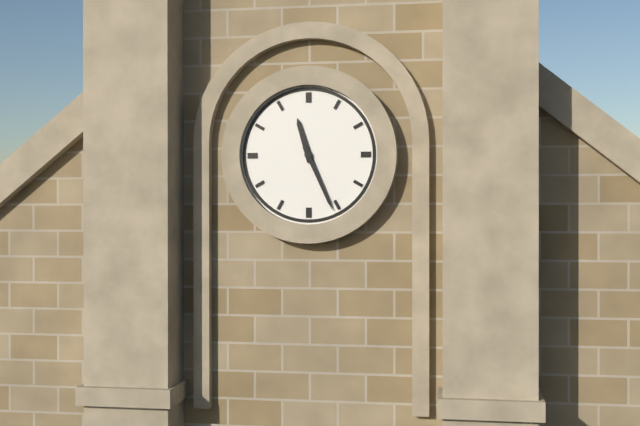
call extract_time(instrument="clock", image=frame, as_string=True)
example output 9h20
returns 11h26
